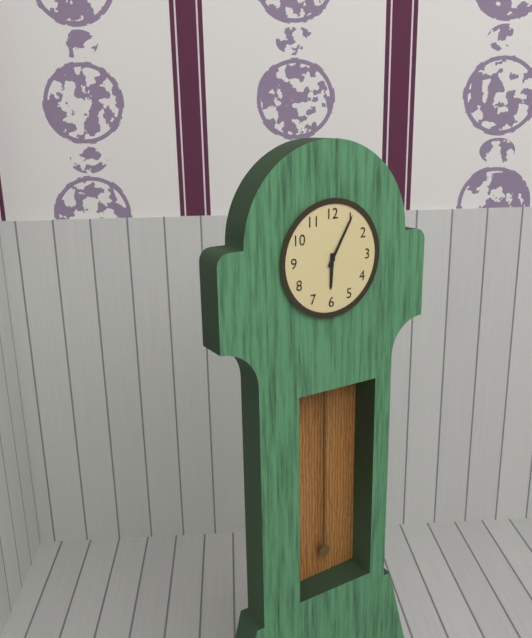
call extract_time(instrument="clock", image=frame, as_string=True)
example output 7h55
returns 6h05
